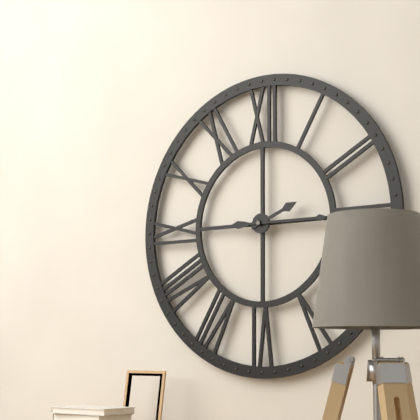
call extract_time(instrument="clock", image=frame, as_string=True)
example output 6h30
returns 2h15
